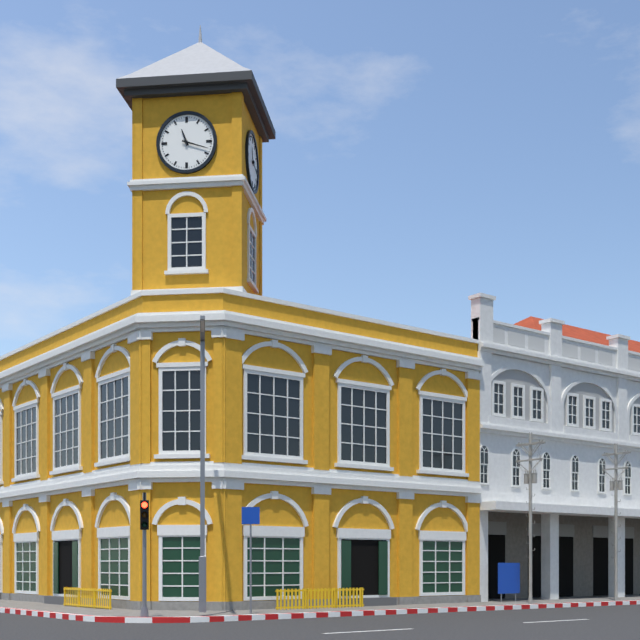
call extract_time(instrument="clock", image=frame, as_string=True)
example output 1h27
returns 11h18
